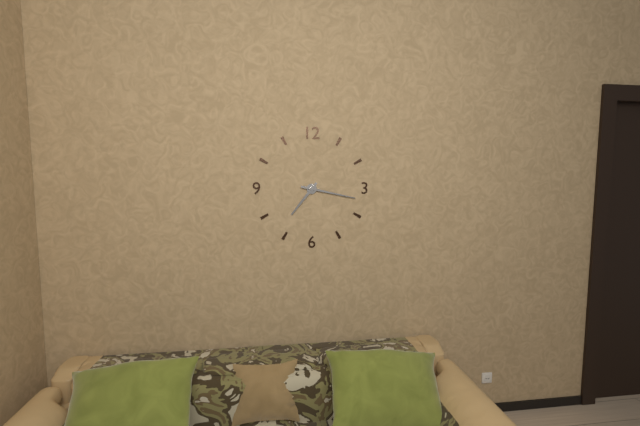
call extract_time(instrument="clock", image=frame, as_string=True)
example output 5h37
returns 7h17
